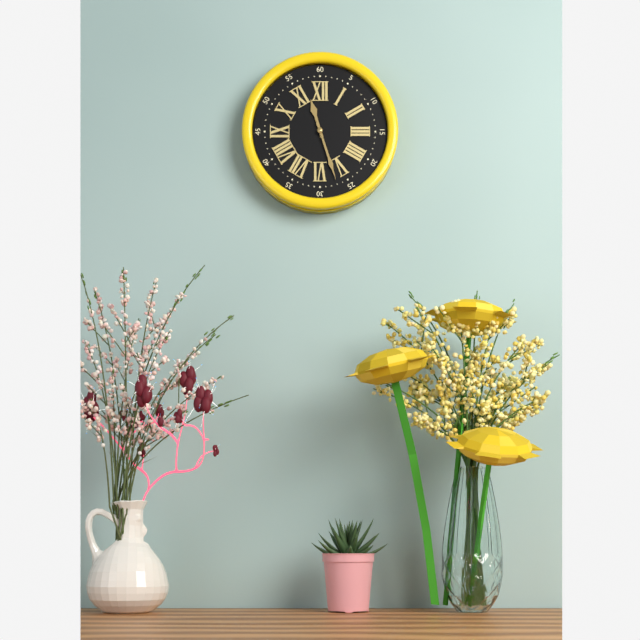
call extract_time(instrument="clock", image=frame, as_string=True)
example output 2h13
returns 11h27
